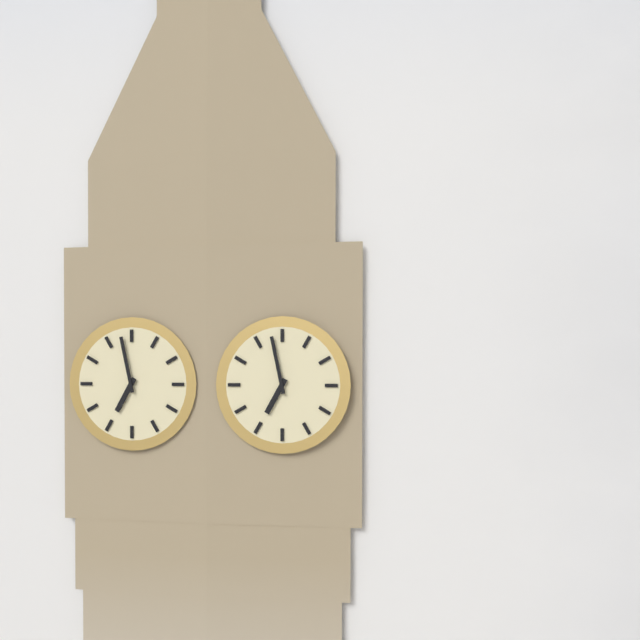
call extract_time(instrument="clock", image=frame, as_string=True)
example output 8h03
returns 6h58
